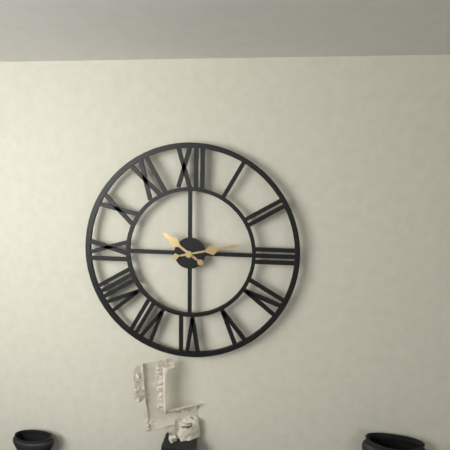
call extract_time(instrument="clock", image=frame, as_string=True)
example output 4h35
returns 10h13
